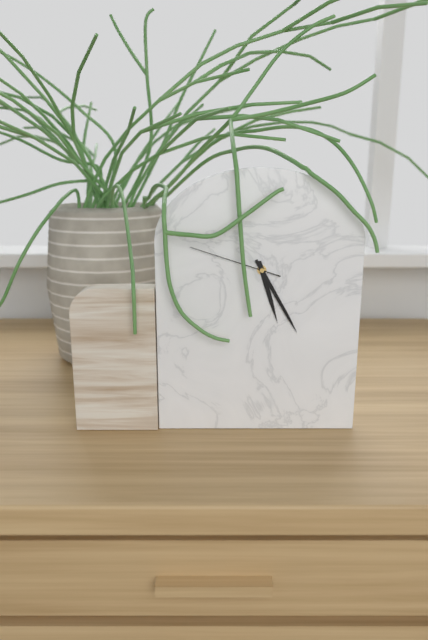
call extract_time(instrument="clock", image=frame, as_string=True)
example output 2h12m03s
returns 5h25m48s
